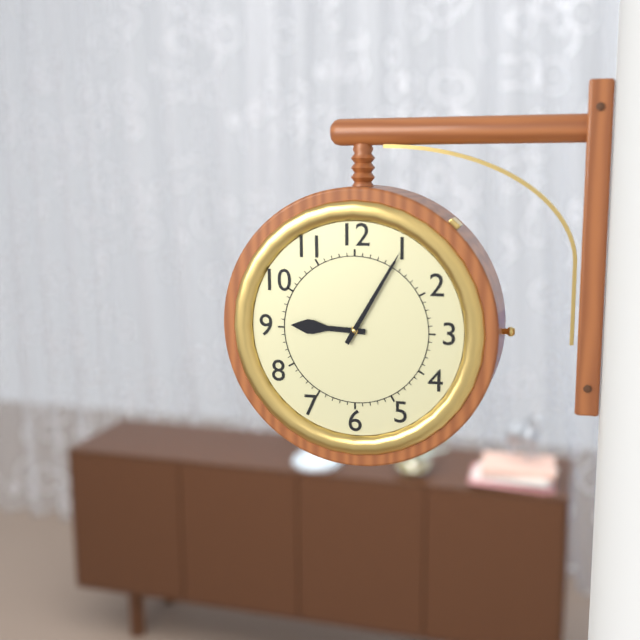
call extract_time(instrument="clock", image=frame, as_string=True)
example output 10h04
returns 9h05
